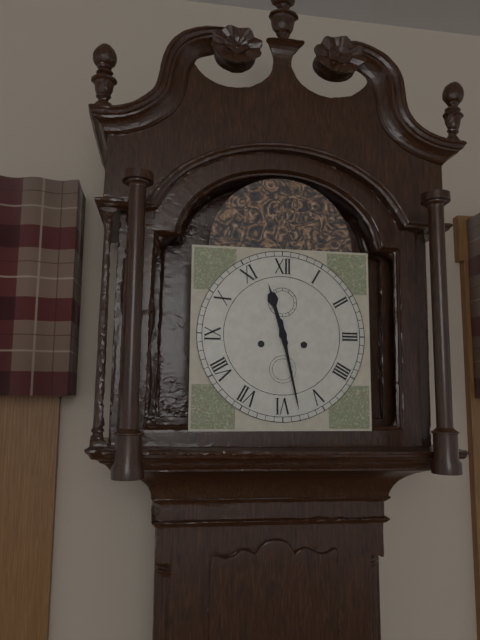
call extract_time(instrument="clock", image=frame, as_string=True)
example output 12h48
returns 11h28
